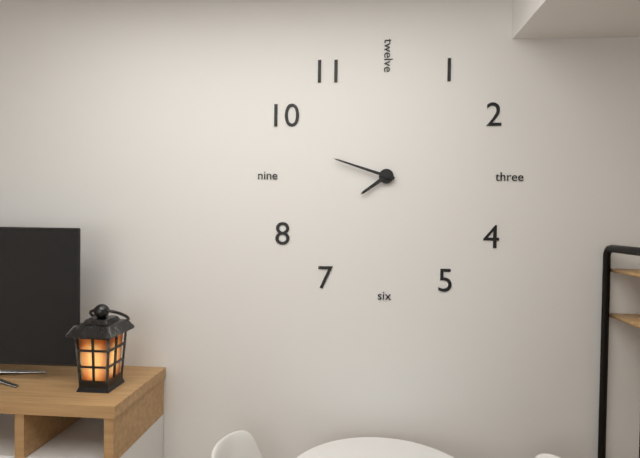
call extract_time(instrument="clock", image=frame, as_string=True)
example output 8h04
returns 7h48
